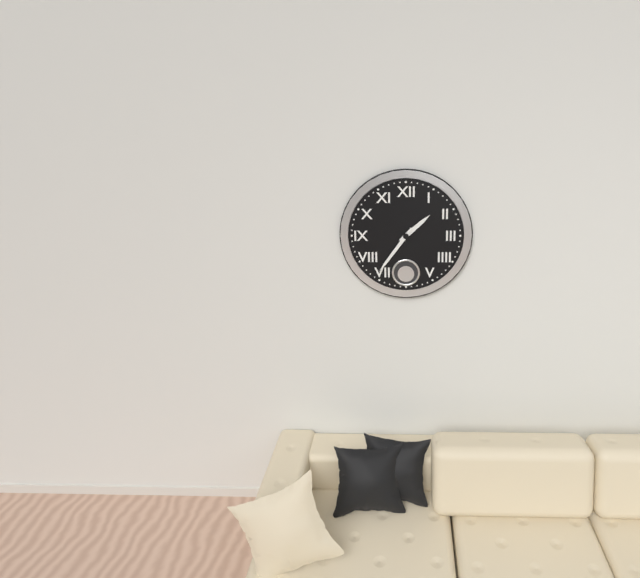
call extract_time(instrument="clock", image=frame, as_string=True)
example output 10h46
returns 1h36
